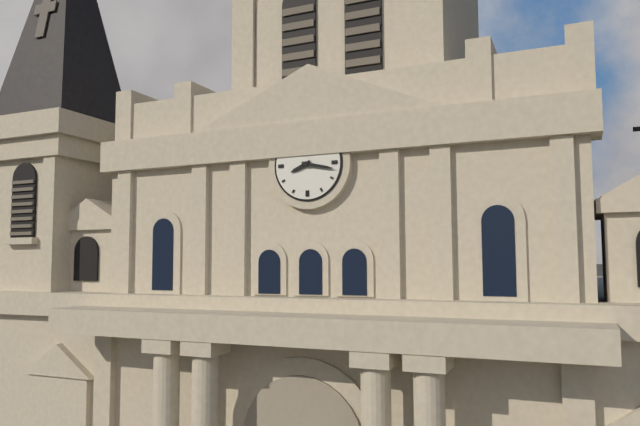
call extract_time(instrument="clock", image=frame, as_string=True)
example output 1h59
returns 8h17
